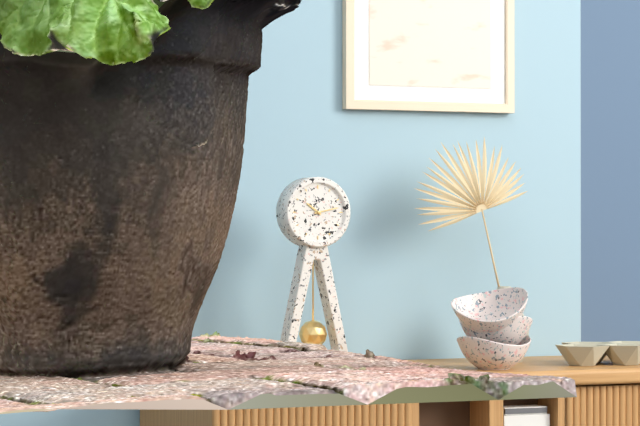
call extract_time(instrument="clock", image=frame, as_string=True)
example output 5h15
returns 10h13
